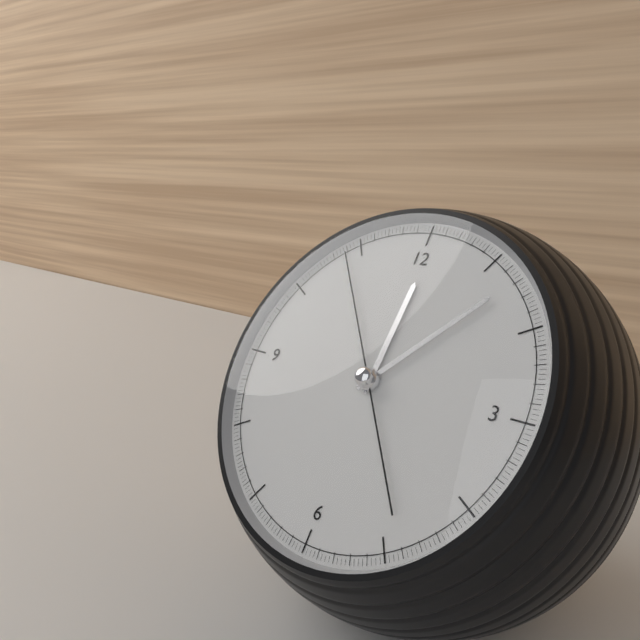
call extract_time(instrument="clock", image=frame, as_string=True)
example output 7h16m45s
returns 12h07m54s
